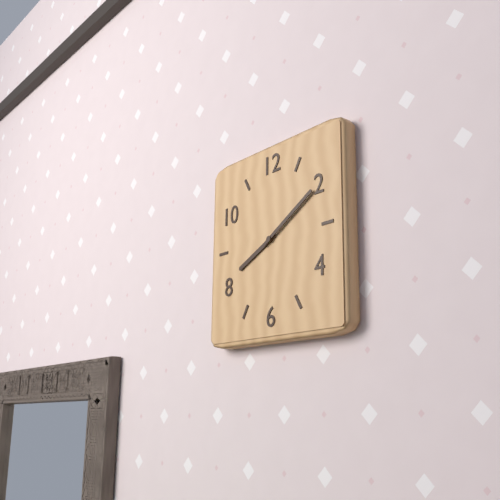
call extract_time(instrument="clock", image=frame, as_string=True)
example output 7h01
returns 8h10
